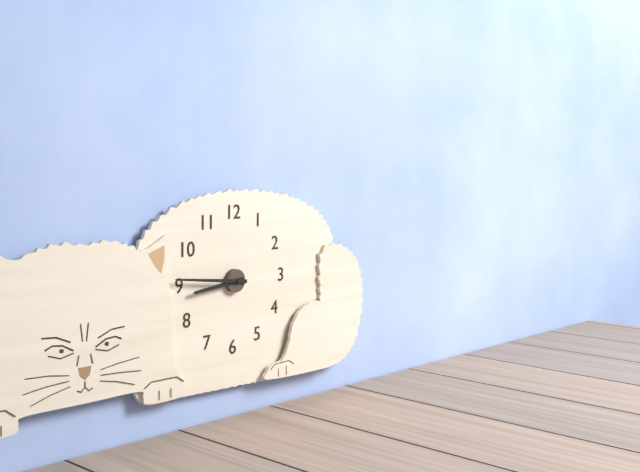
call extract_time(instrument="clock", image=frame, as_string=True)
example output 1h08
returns 8h46
